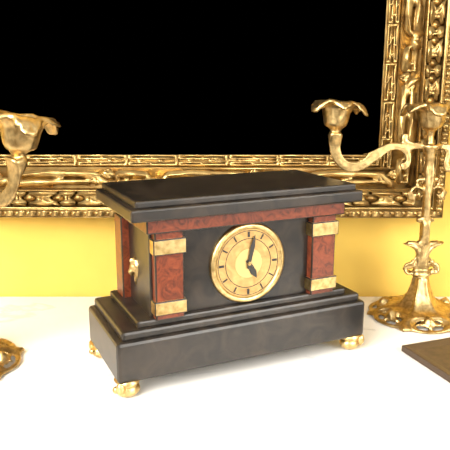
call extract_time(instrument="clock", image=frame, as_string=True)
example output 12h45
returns 5h02
